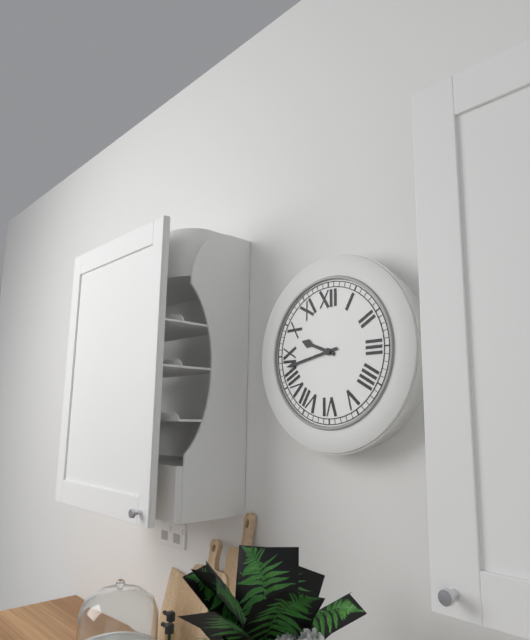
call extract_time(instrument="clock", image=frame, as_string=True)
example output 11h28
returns 9h43
